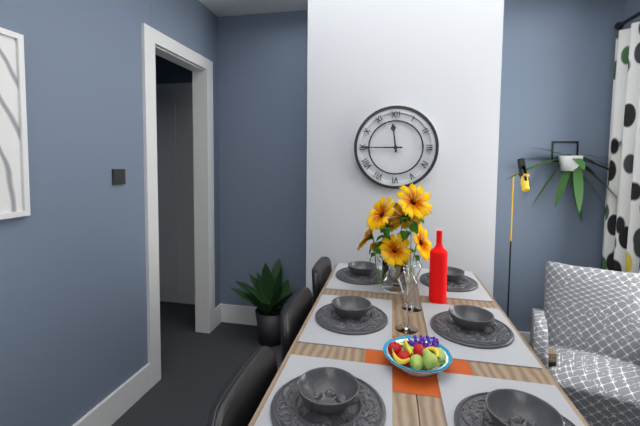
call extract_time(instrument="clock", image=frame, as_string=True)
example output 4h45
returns 11h45
